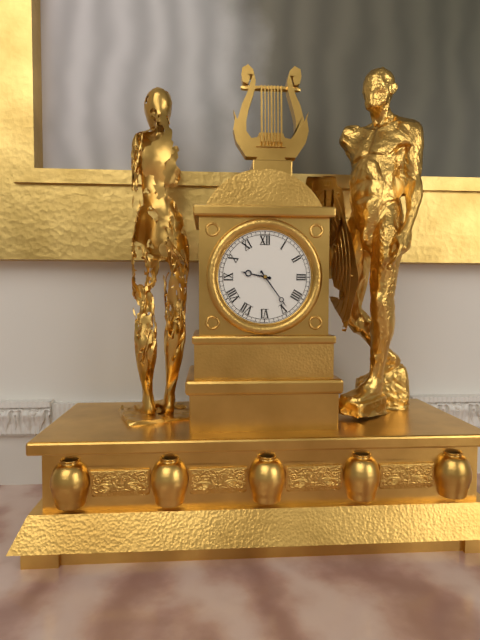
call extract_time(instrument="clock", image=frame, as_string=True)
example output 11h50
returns 9h24
